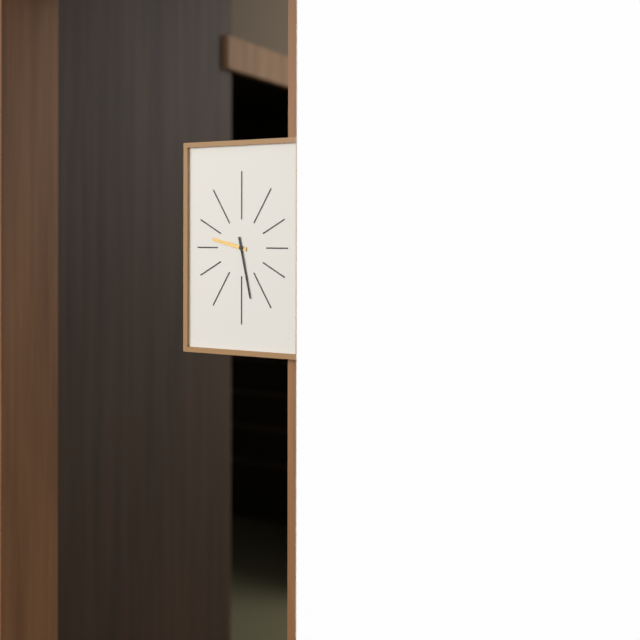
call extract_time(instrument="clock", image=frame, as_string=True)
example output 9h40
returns 9h28
